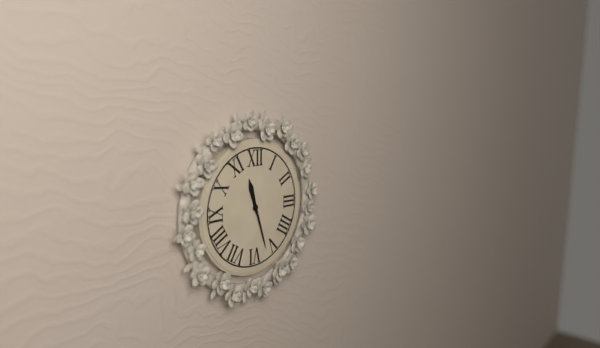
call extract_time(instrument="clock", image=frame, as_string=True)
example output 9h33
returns 11h27
